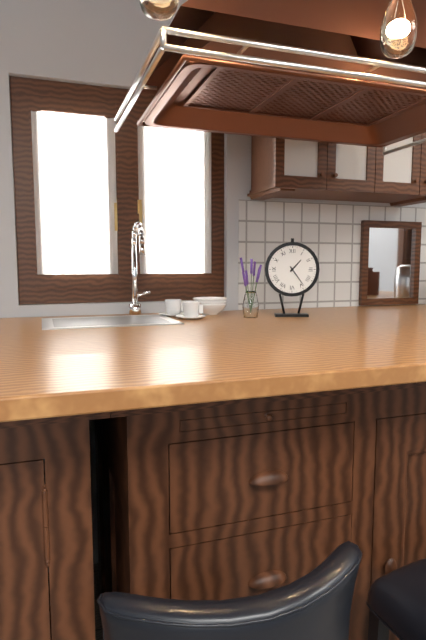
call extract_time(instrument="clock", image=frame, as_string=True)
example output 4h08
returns 1h24
